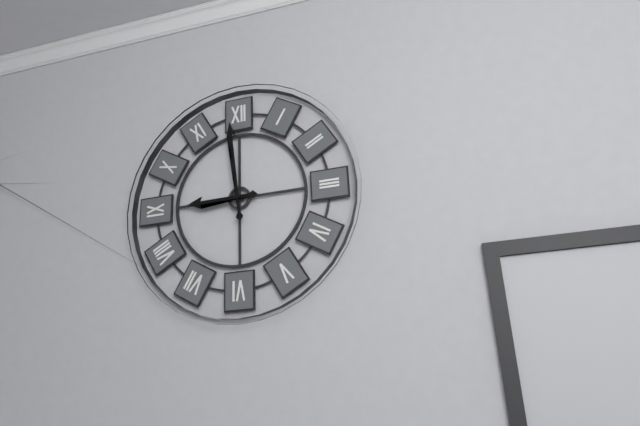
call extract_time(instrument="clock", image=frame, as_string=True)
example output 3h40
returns 8h59
